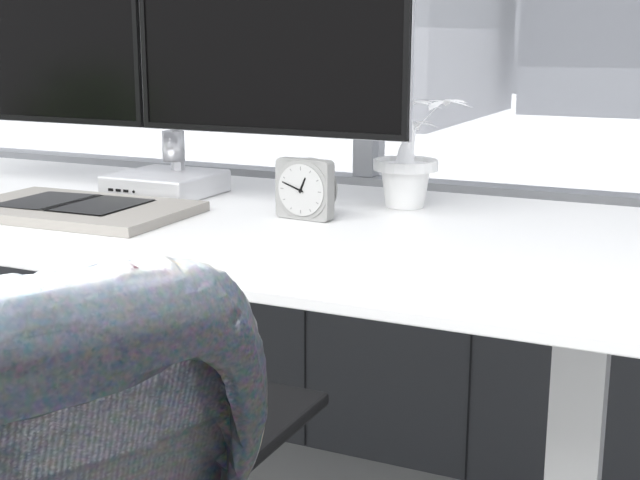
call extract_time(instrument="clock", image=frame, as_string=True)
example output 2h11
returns 12h48
